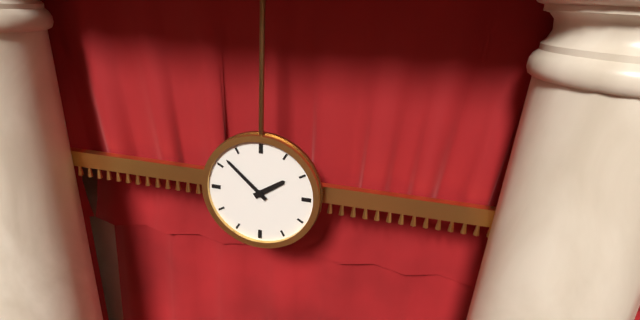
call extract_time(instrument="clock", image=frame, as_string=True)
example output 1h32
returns 1h52
